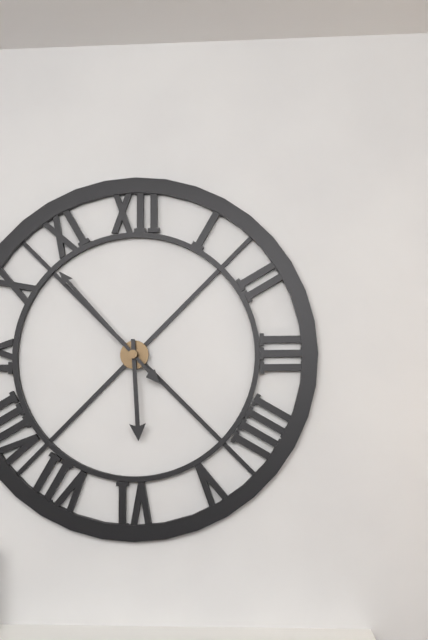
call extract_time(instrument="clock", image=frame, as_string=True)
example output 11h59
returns 5h53
